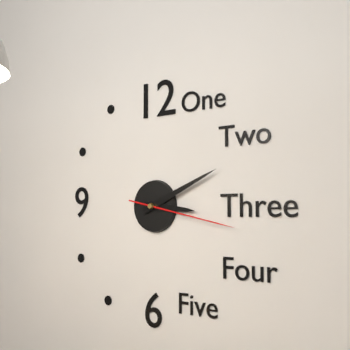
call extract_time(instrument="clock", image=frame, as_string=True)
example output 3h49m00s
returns 3h11m17s
